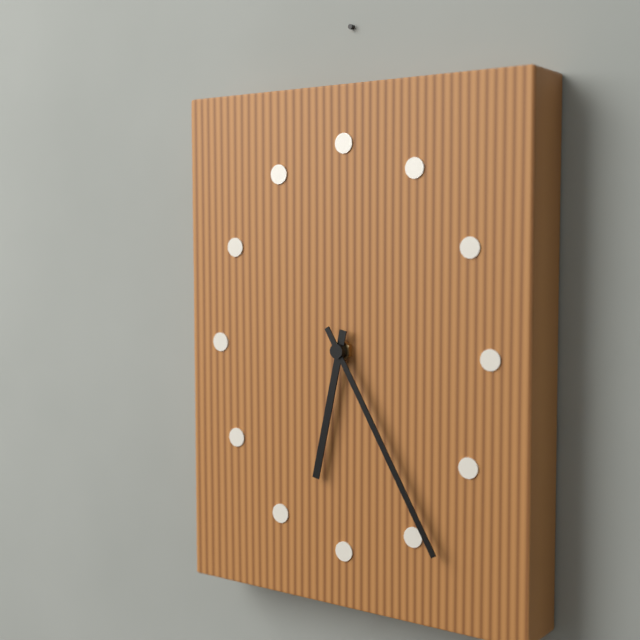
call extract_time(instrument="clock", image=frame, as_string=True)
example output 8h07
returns 6h25
